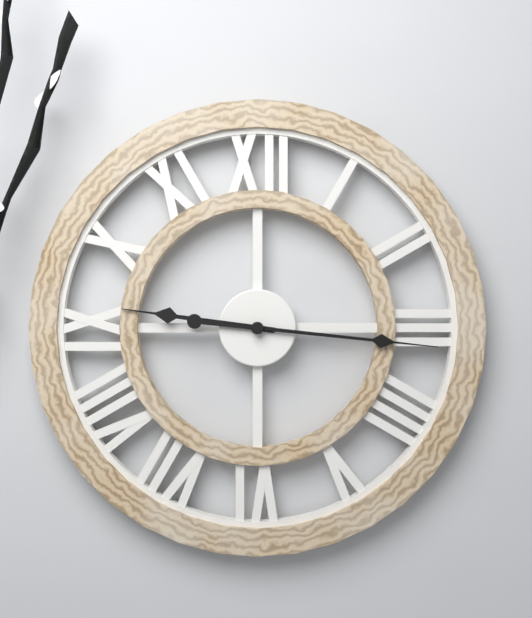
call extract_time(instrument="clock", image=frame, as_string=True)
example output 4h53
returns 9h16
